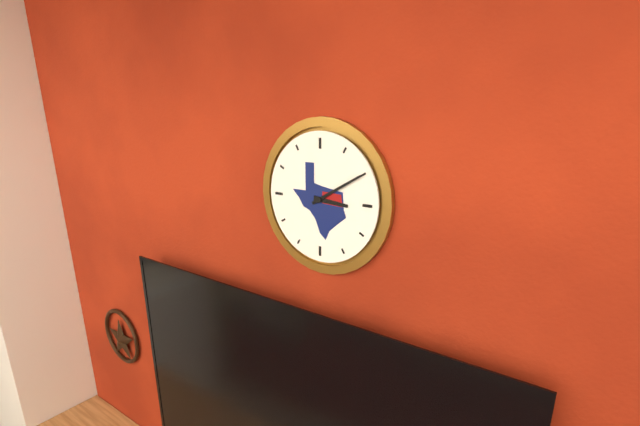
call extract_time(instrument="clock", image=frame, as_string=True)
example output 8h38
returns 3h10
